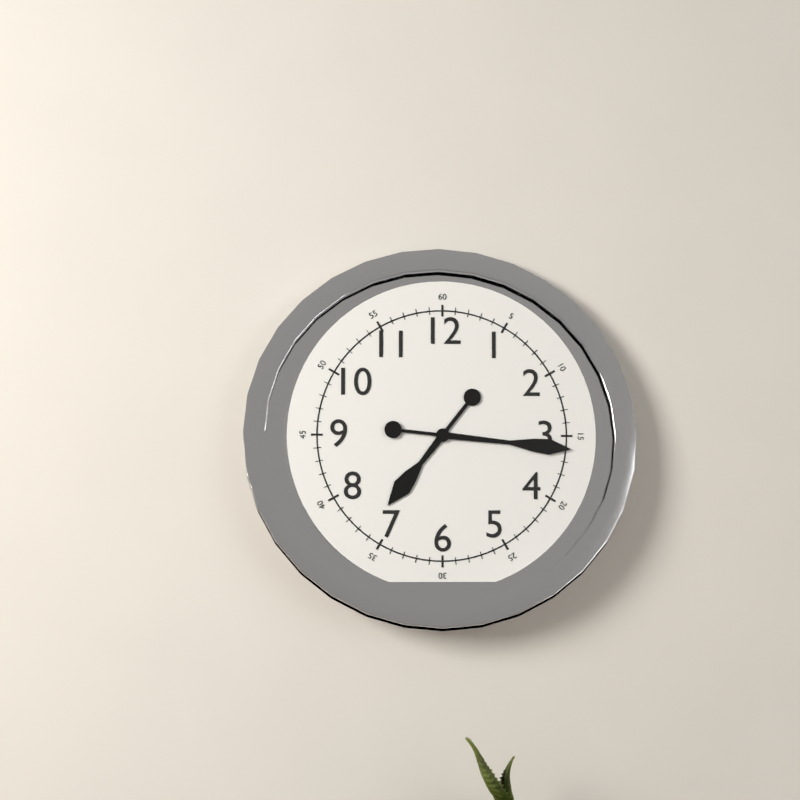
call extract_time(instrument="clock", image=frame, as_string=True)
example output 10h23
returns 7h16
